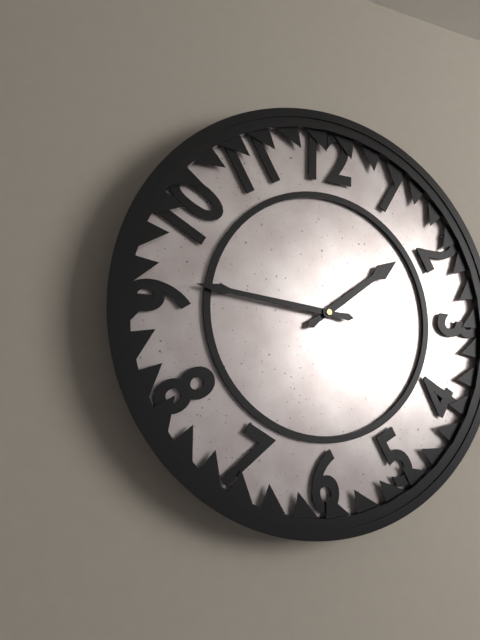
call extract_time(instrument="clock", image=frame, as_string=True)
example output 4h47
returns 1h46
